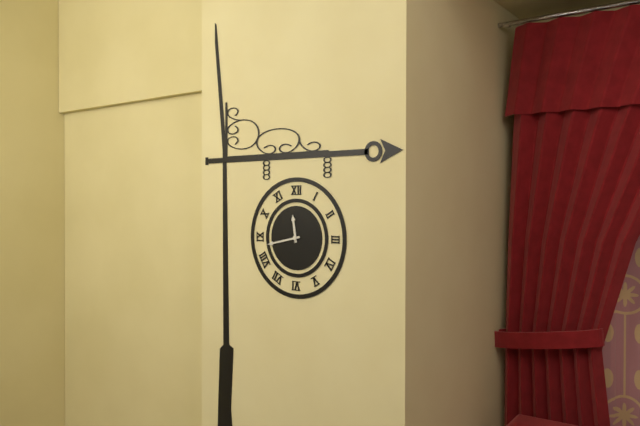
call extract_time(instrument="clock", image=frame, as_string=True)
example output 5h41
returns 11h43
